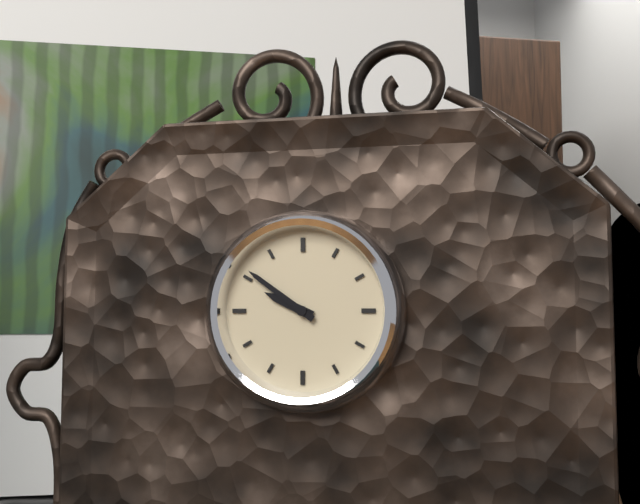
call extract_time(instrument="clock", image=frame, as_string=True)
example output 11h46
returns 9h51
